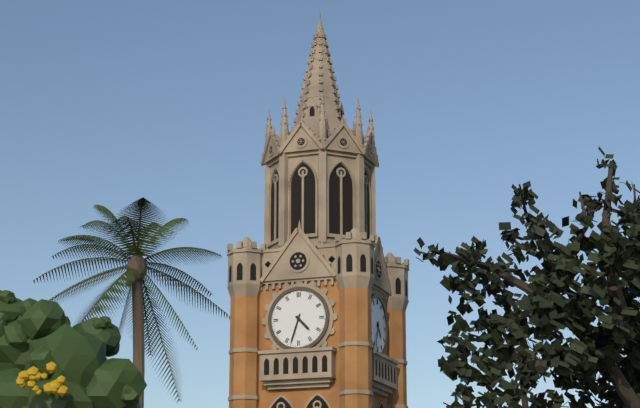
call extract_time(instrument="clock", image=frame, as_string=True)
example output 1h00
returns 4h33
